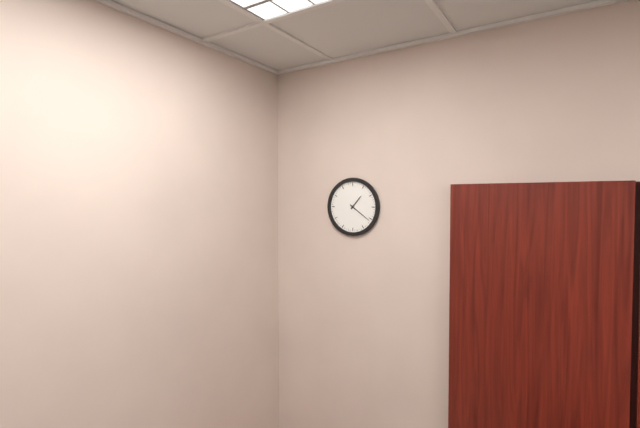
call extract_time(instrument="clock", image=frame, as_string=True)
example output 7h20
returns 1h21
